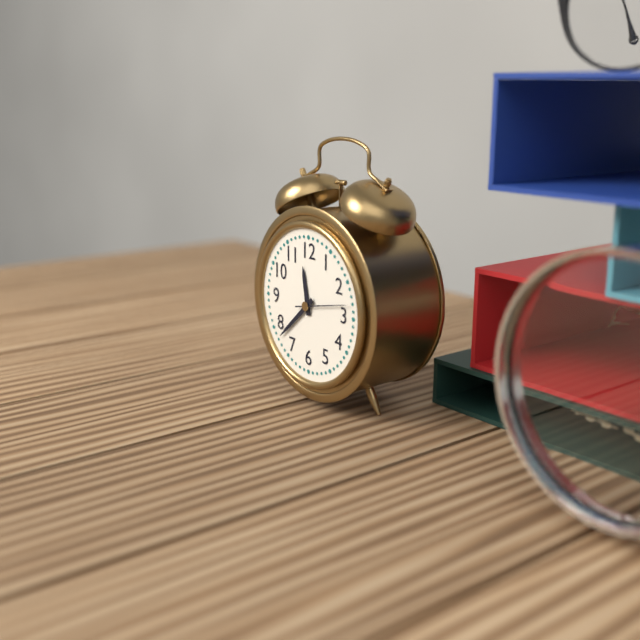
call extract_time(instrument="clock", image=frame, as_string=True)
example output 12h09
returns 11h38
